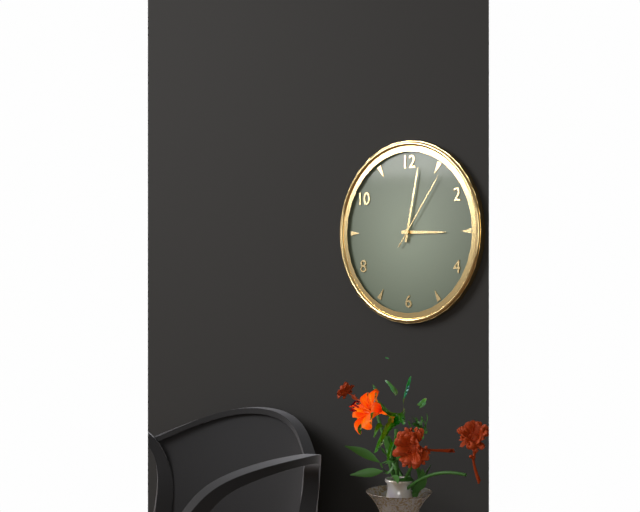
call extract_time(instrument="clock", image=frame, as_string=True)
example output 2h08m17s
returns 3h02m06s
